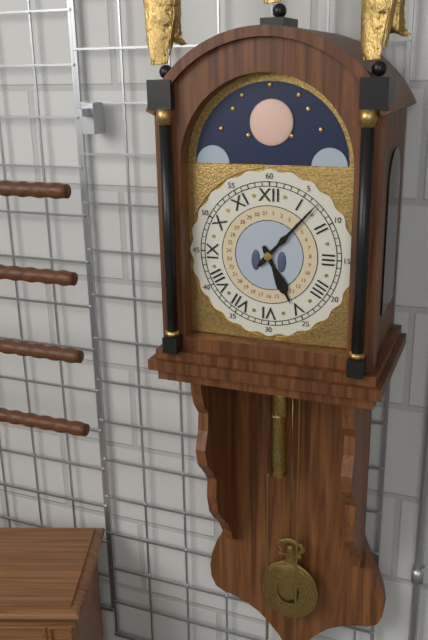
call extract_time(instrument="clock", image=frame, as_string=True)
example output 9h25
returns 5h07
